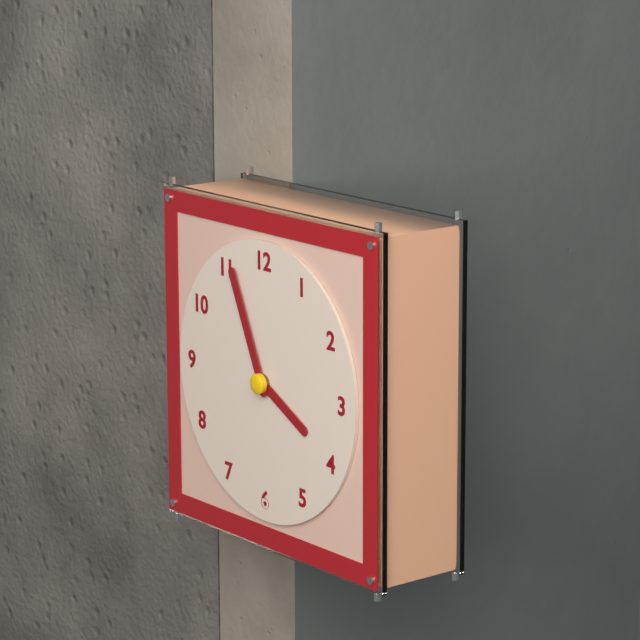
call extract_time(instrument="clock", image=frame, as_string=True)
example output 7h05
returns 3h56
